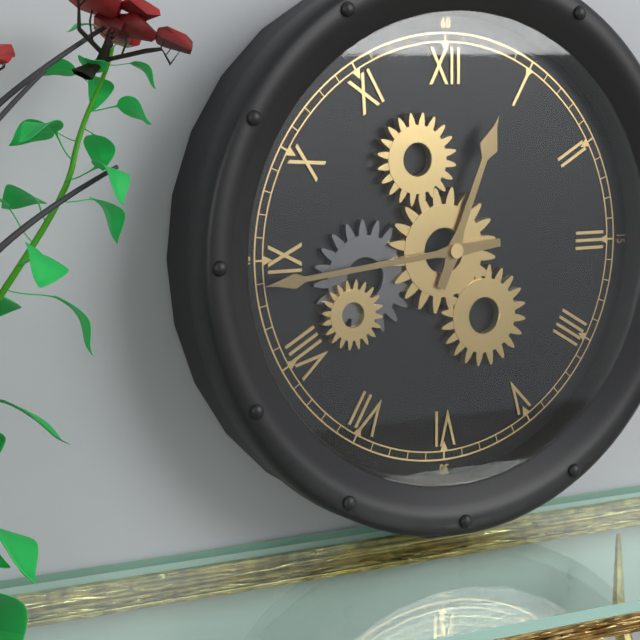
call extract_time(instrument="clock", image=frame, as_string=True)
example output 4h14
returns 12h44
